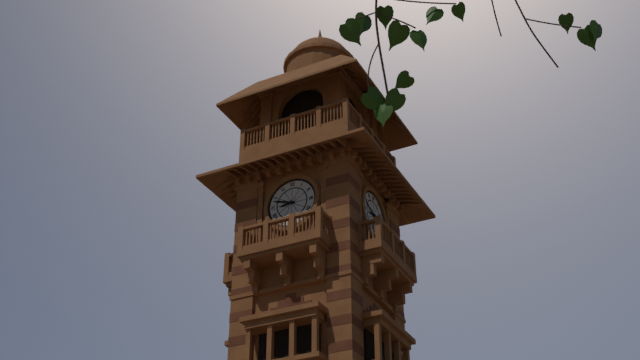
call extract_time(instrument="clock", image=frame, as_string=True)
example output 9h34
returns 8h48
